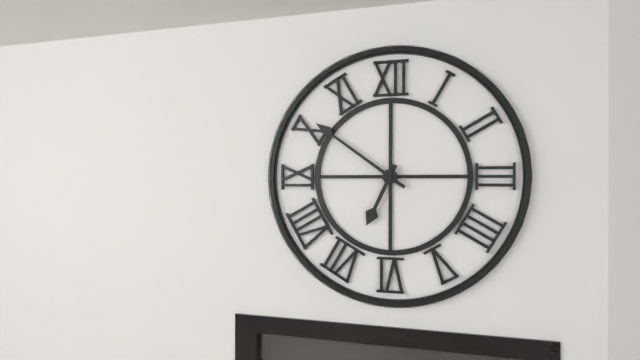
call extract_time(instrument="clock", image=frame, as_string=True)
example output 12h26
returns 6h51
